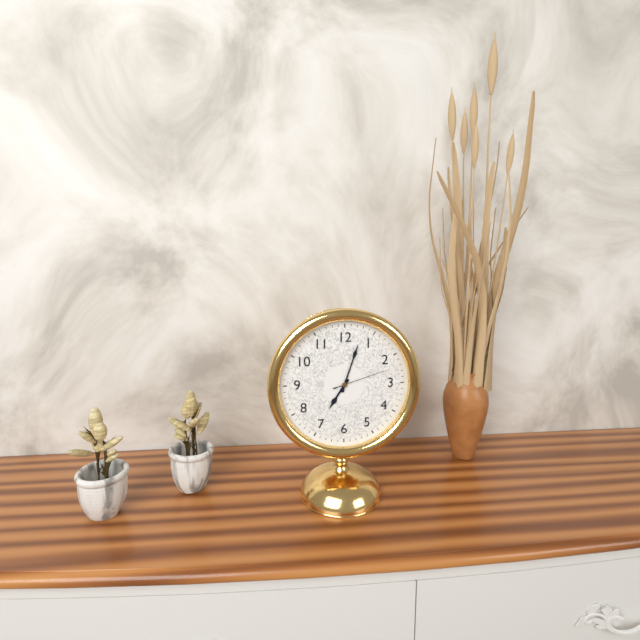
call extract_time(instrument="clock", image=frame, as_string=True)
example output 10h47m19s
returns 7h03m12s
